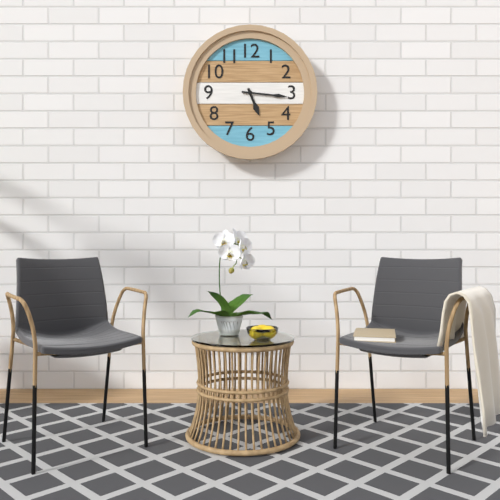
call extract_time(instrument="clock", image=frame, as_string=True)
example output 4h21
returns 5h16
